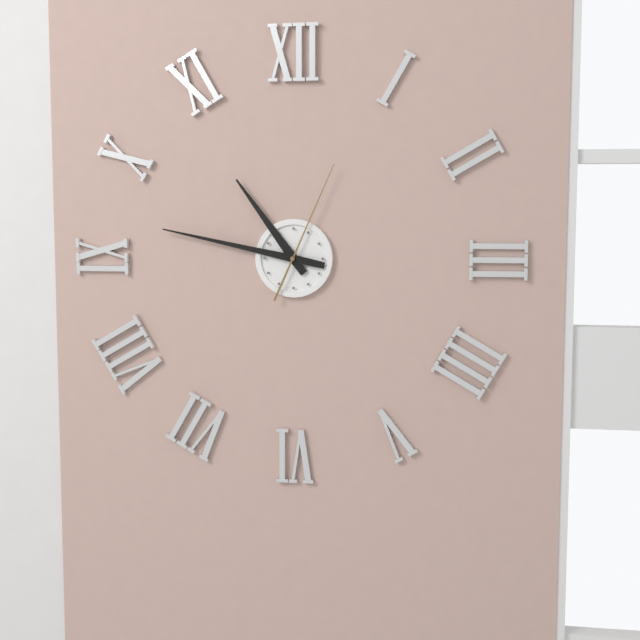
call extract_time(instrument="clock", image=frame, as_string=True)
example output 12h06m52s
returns 10h47m04s
